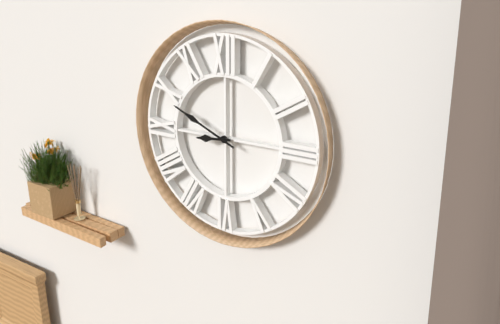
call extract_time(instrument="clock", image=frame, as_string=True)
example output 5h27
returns 8h49
